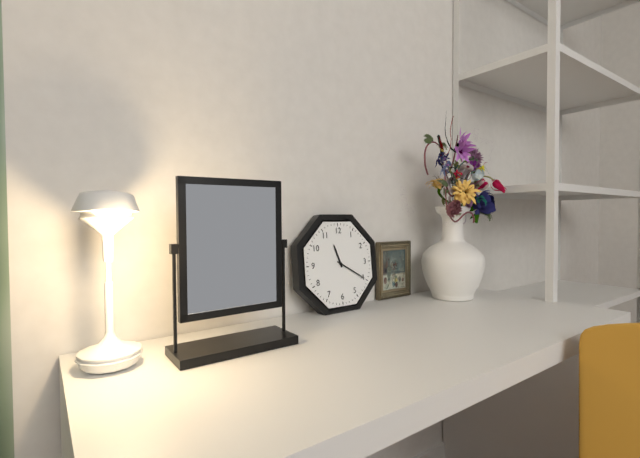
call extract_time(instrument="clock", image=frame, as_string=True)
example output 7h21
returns 11h20
